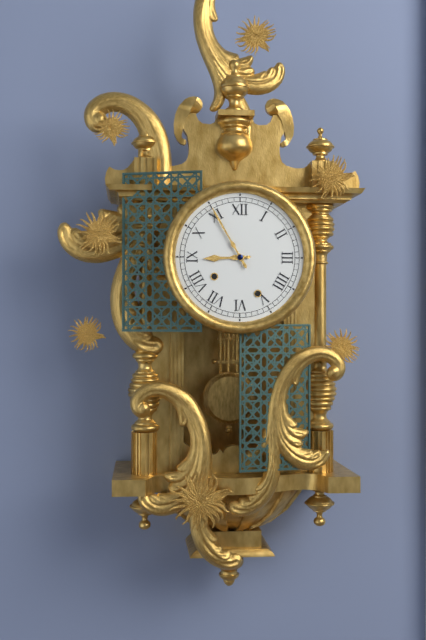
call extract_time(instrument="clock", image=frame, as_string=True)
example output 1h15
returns 8h55
